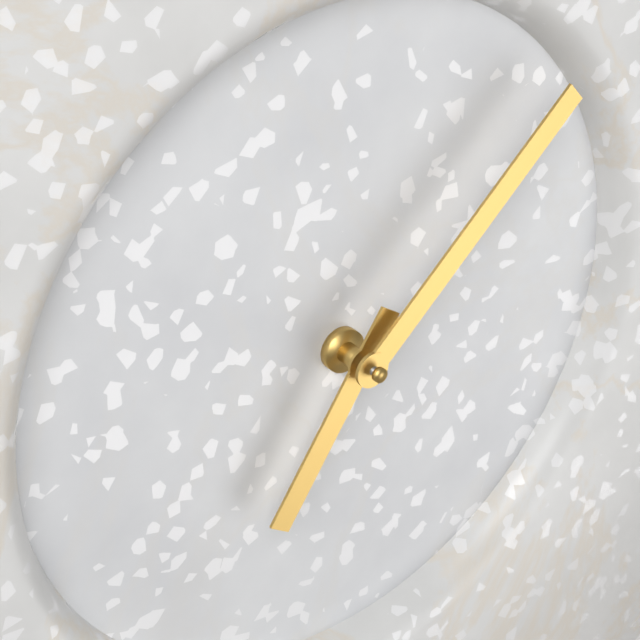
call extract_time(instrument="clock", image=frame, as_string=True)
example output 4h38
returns 7h08
